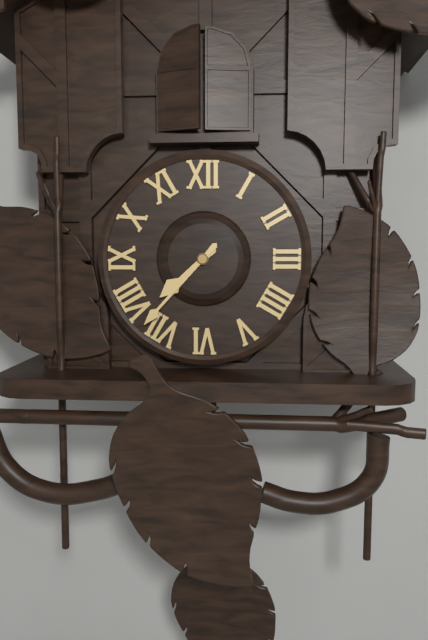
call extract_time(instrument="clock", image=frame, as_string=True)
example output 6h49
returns 7h37
